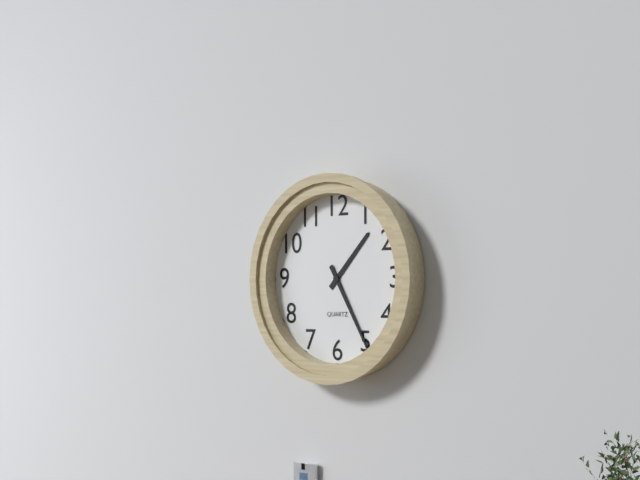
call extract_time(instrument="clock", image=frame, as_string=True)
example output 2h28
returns 1h25
